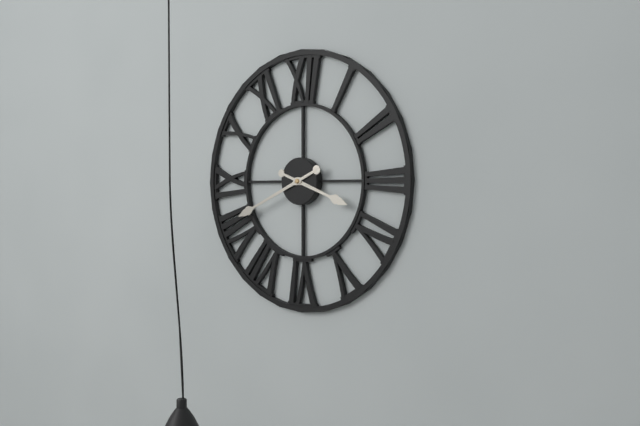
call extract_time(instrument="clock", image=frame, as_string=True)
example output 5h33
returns 3h41
